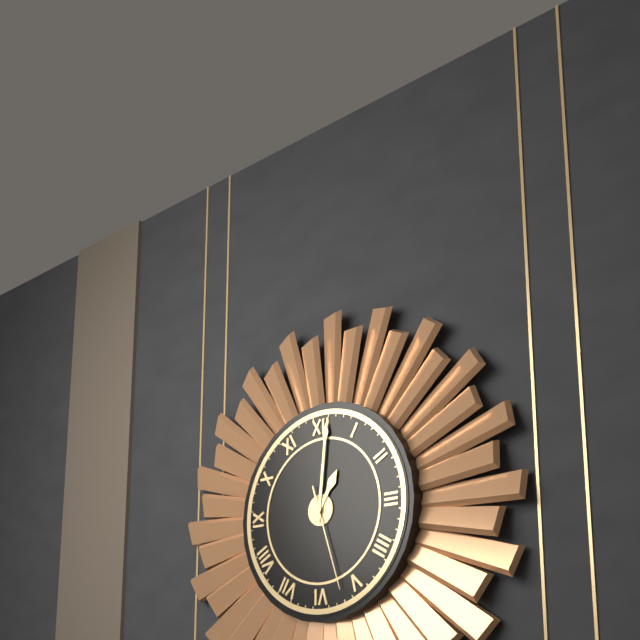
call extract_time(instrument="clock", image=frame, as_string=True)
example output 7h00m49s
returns 1h01m27s
